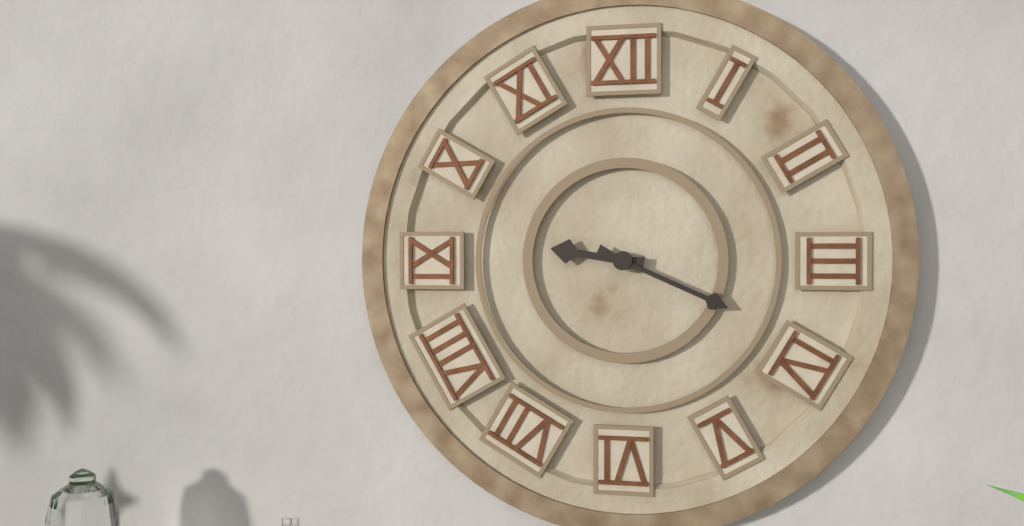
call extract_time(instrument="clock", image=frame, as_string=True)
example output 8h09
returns 9h19
